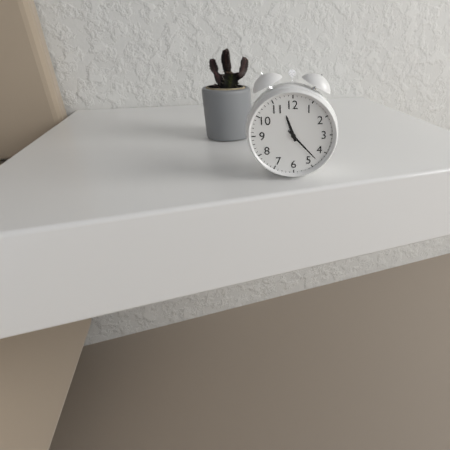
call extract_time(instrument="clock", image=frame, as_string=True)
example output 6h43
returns 11h23
